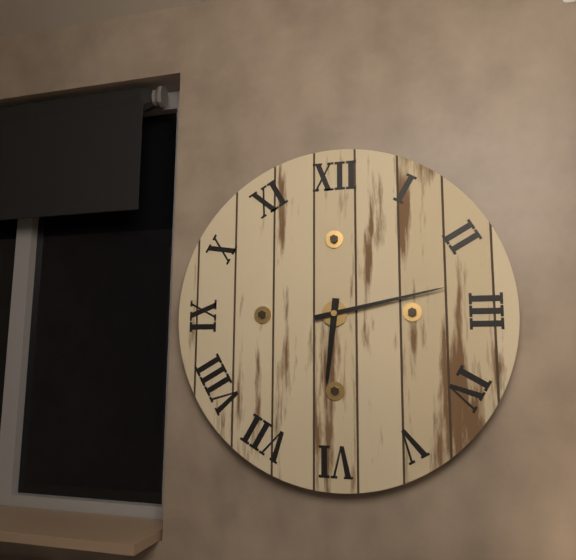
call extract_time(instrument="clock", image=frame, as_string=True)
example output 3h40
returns 6h13
